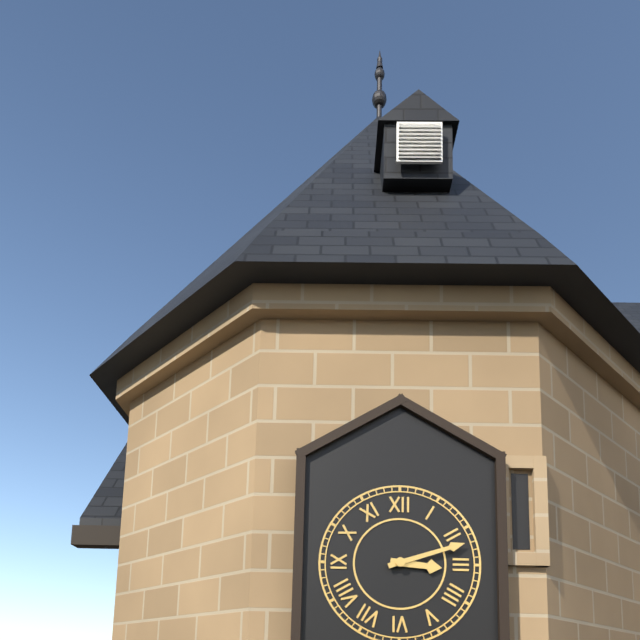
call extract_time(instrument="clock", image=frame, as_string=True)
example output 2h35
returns 3h12
